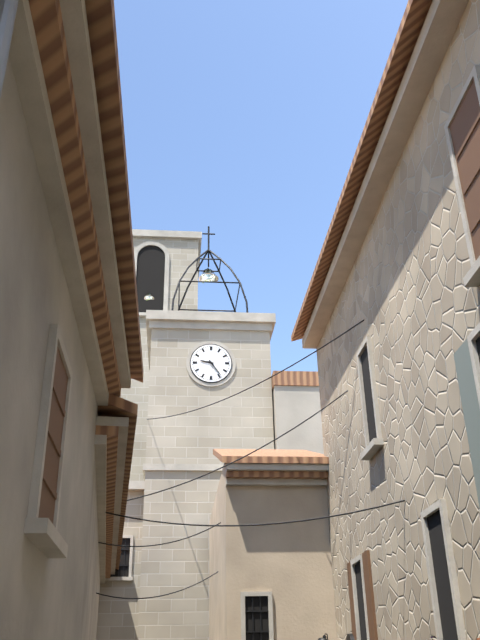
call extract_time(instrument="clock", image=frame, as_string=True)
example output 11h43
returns 9h24
